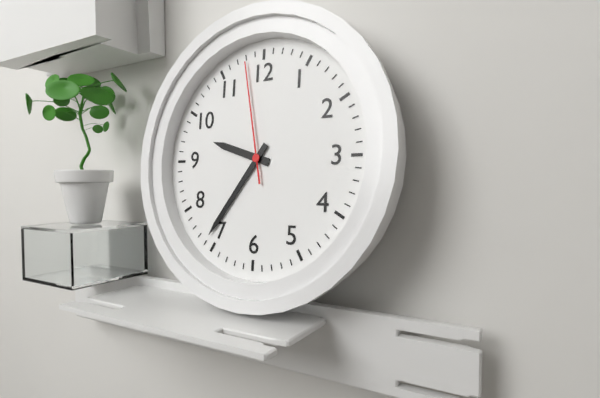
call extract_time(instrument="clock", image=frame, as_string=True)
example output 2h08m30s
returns 9h36m58s
